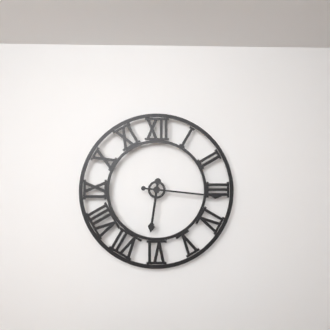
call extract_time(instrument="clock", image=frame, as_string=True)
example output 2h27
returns 6h16
